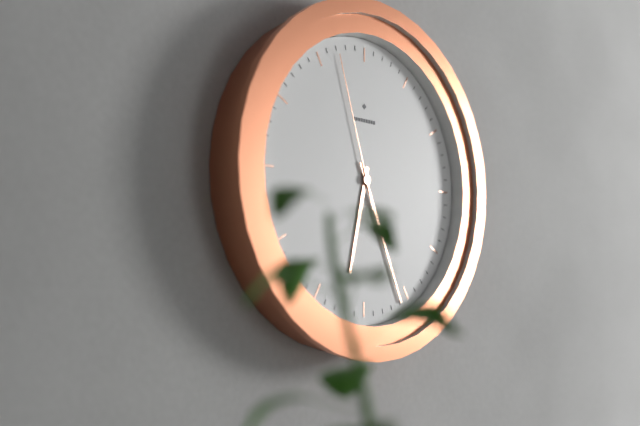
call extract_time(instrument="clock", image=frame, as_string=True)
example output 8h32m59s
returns 6h26m57s
